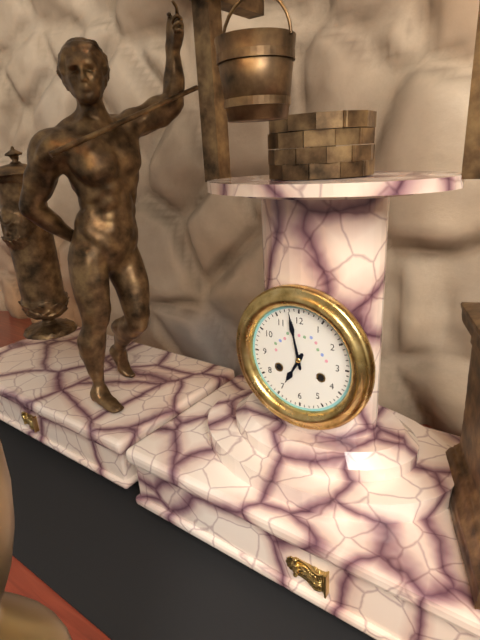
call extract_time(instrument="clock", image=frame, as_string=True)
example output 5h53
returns 6h58
